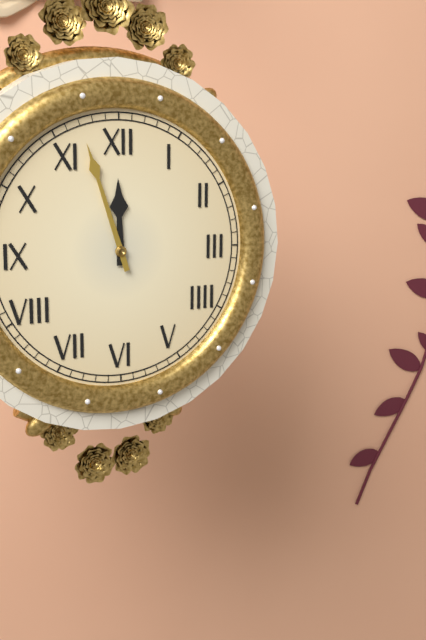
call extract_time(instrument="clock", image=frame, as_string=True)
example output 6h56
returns 11h57
